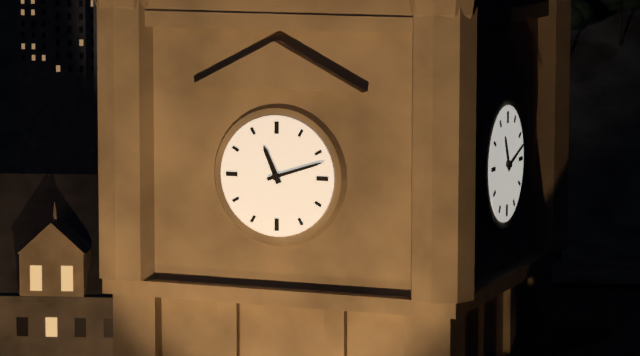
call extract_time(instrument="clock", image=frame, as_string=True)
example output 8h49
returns 11h12
